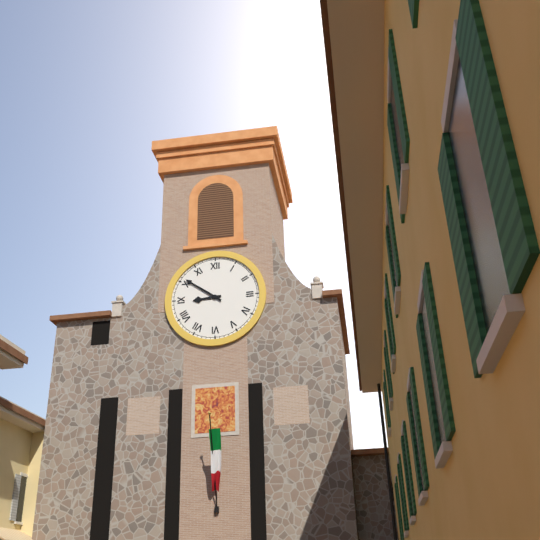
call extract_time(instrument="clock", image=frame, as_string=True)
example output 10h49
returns 8h51
